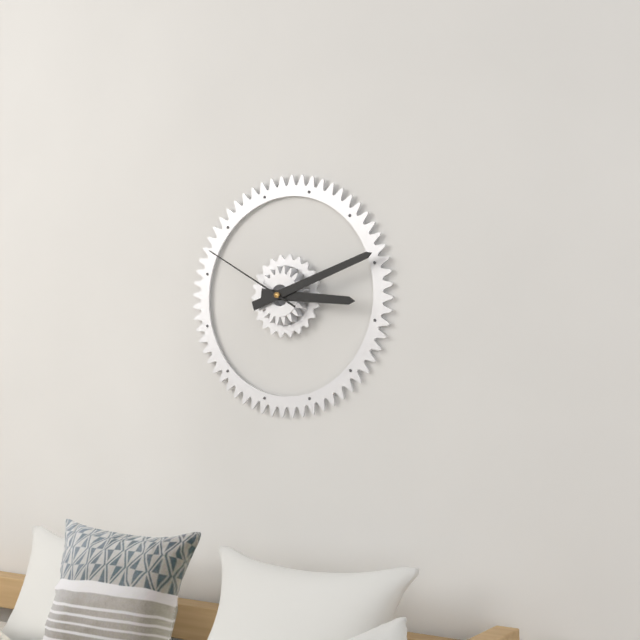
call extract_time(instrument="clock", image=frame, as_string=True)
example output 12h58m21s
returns 3h12m50s
